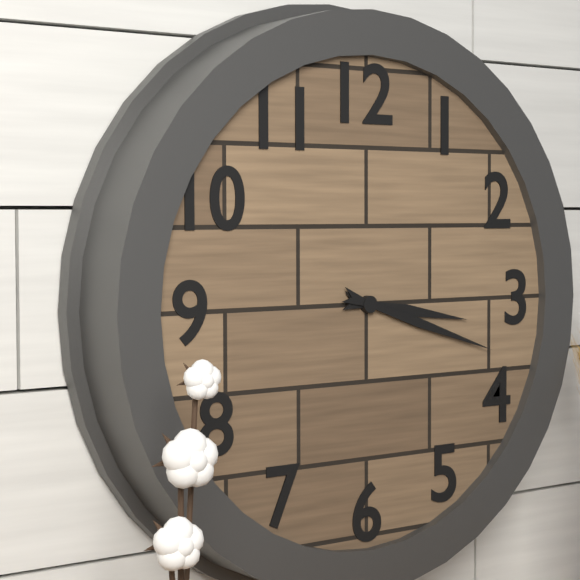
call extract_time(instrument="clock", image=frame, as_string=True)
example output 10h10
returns 3h18
